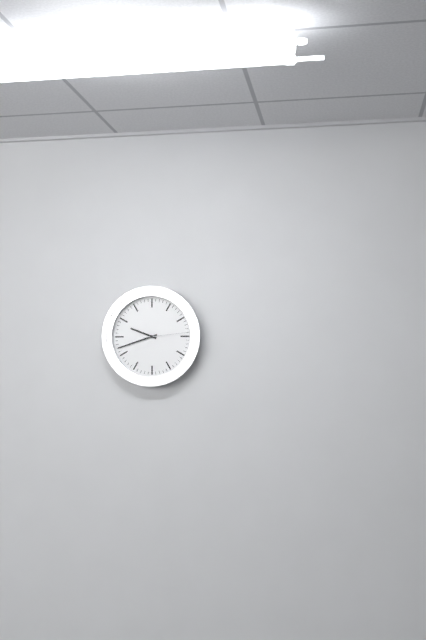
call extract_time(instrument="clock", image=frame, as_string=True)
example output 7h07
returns 9h42
